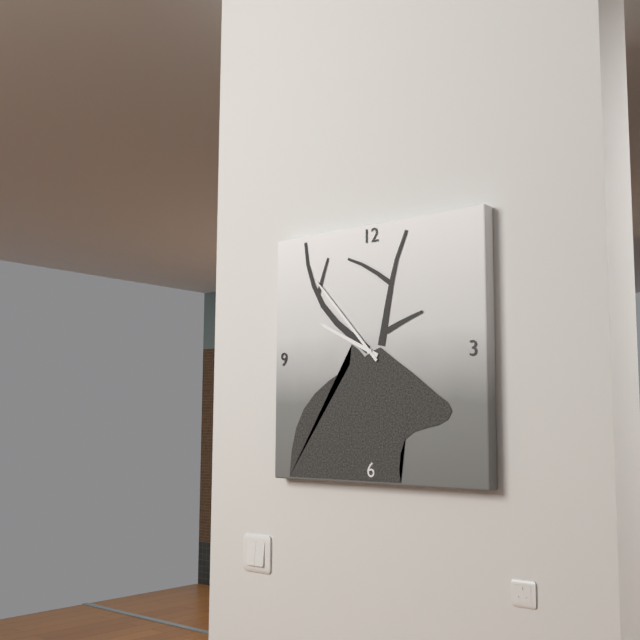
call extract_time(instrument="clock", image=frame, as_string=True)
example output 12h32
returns 9h53
